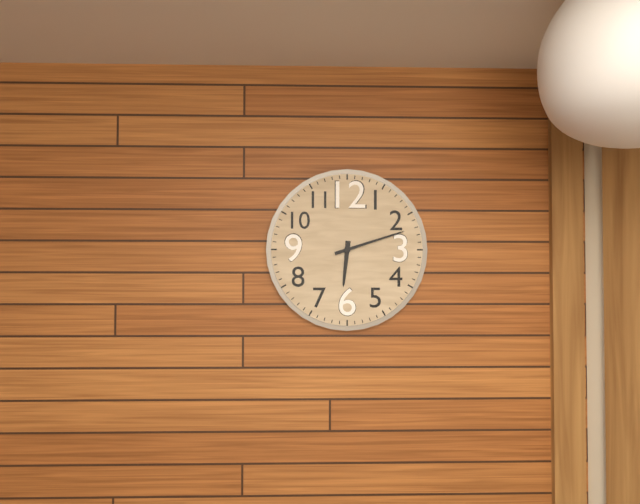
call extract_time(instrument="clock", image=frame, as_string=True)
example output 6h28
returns 6h12
